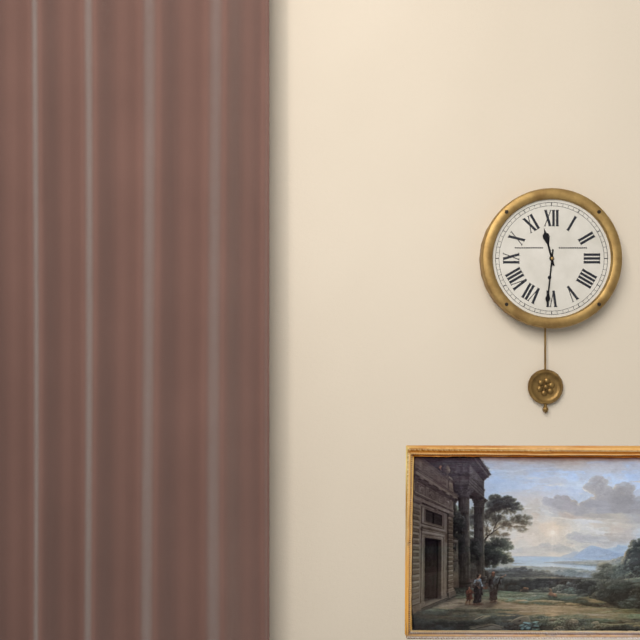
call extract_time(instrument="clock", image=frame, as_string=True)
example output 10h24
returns 11h31
